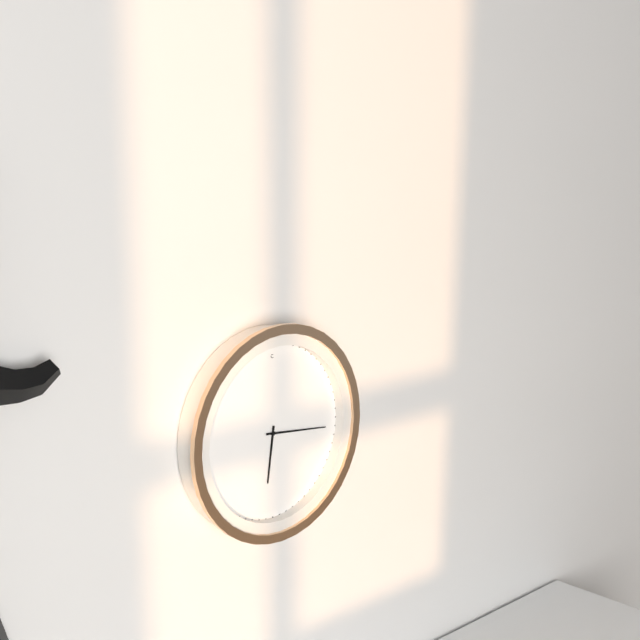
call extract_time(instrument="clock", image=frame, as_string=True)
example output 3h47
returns 6h16
